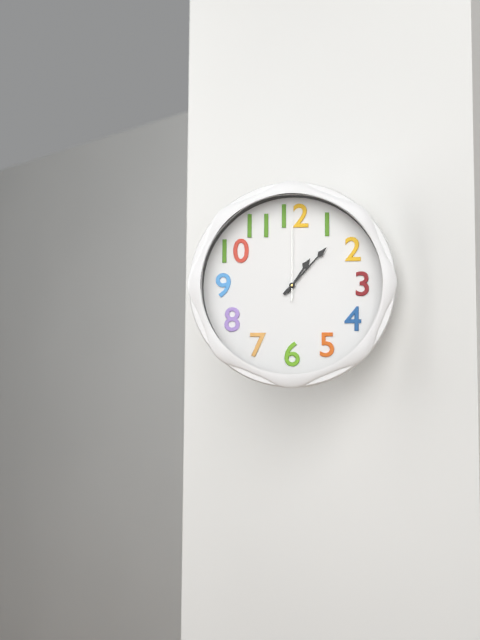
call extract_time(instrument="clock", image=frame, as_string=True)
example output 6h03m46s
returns 1h07m00s
